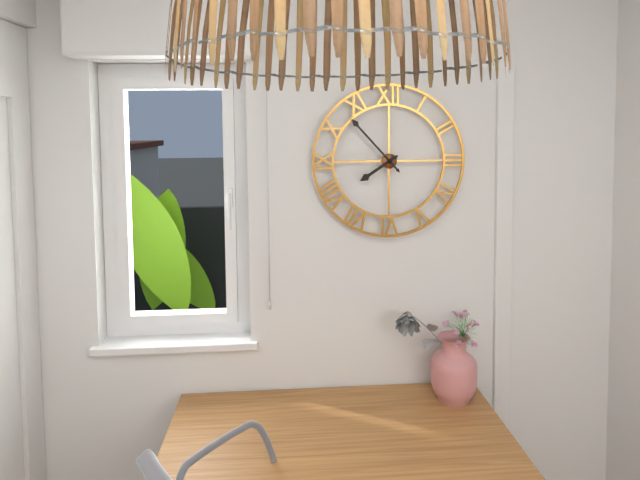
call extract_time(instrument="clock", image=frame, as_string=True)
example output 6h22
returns 7h53
